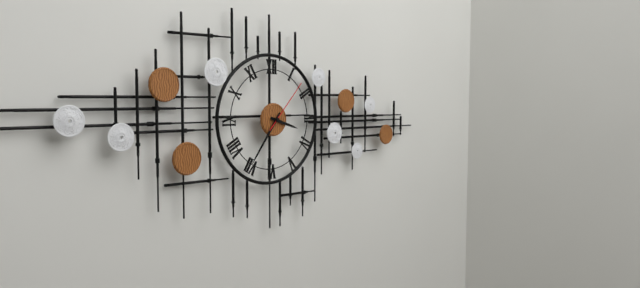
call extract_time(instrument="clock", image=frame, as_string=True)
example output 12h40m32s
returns 3h36m07s
